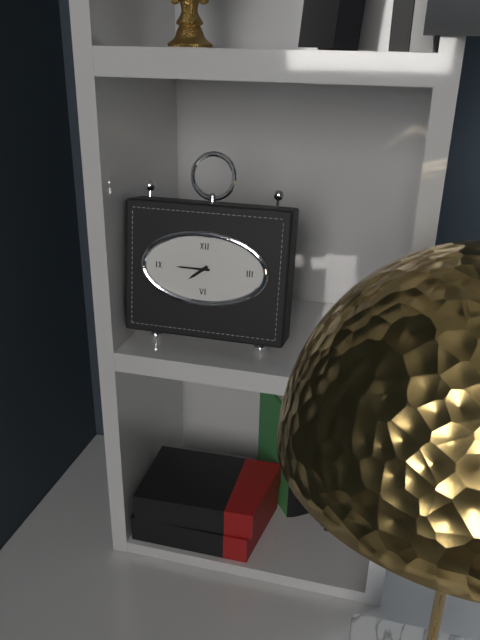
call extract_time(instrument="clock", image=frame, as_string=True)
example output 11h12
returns 7h45
